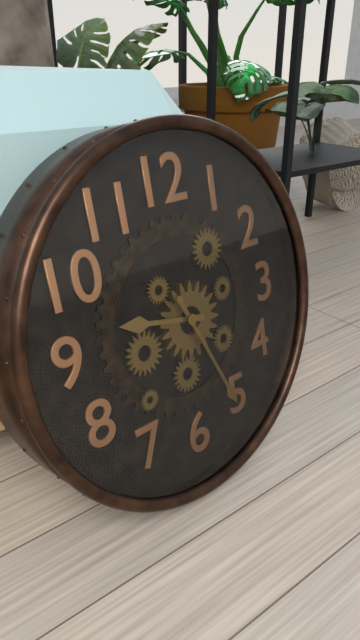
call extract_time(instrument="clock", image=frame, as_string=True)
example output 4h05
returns 9h26
